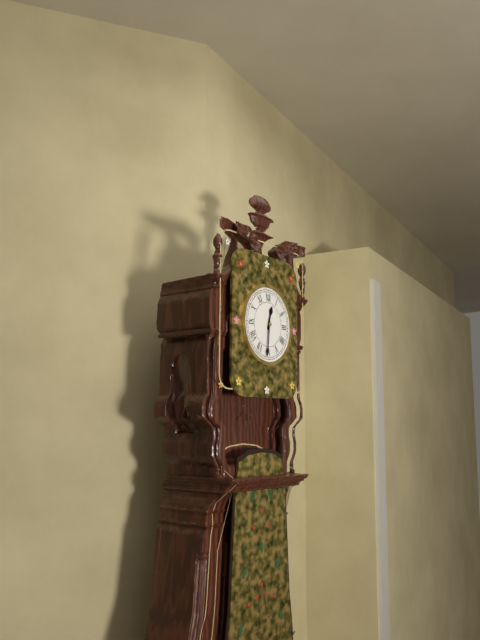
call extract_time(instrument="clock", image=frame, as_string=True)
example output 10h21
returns 12h31
